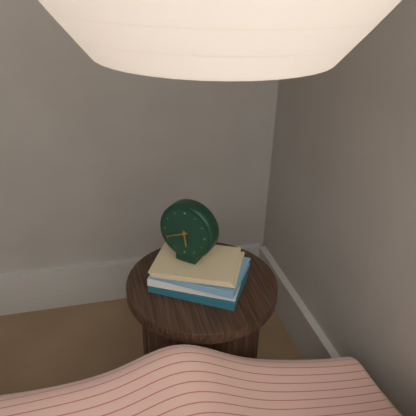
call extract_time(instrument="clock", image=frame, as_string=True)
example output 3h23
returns 5h41
